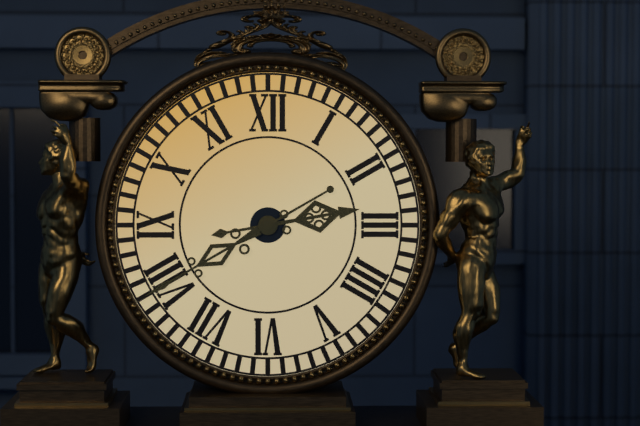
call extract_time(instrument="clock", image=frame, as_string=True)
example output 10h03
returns 2h40
